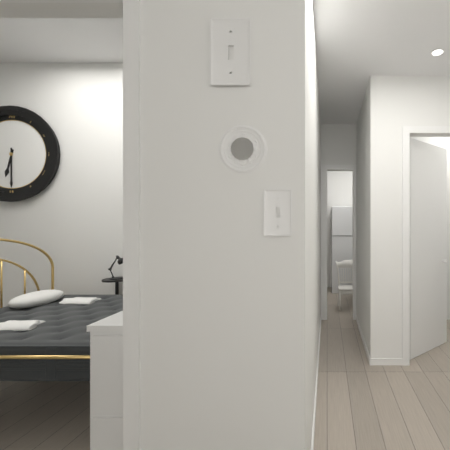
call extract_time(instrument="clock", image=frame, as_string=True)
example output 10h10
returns 6h30
